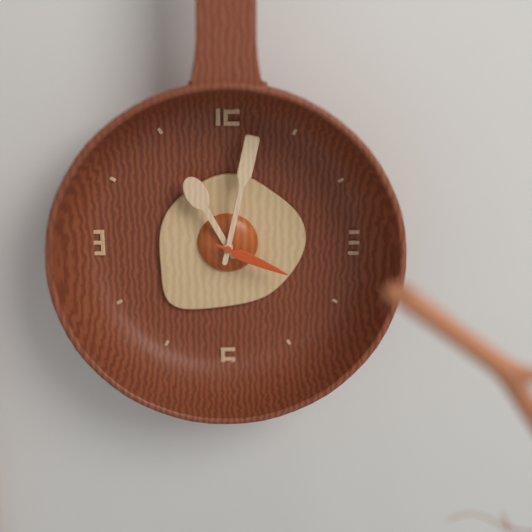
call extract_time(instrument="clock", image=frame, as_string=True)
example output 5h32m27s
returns 11h02m19s
